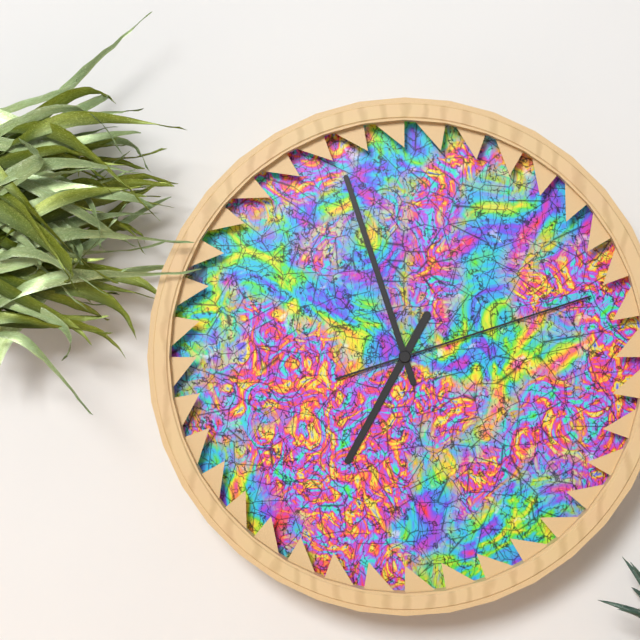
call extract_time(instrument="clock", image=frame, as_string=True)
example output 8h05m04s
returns 6h57m12s
